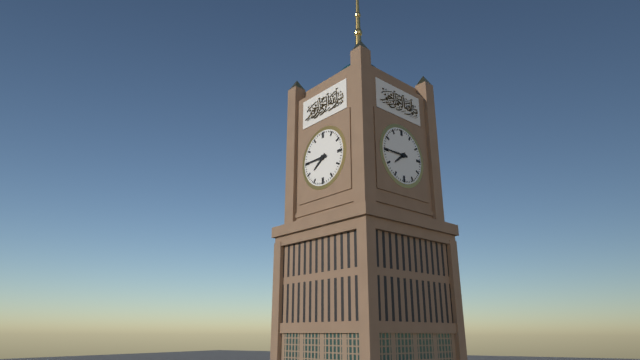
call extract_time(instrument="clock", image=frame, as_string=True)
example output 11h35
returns 7h45
